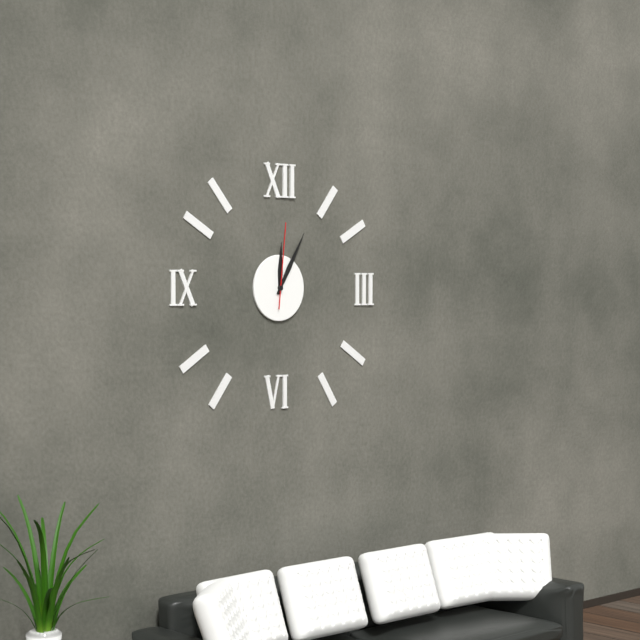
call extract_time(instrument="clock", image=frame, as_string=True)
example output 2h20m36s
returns 12h05m01s
